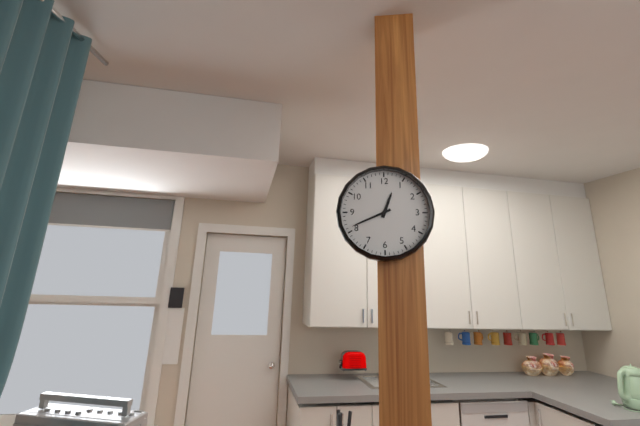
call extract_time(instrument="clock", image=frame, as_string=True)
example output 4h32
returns 12h41
